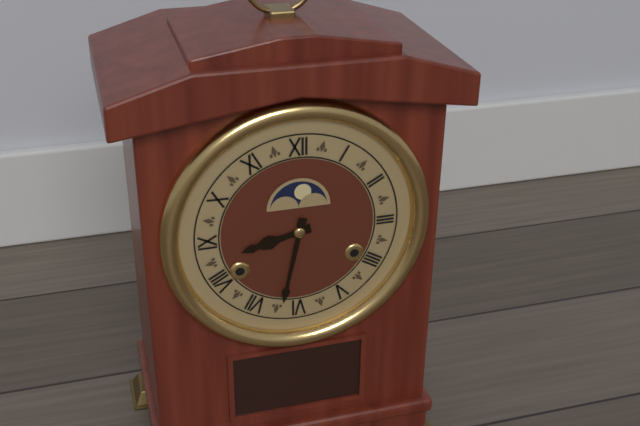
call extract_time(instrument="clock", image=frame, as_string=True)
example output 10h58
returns 8h32
